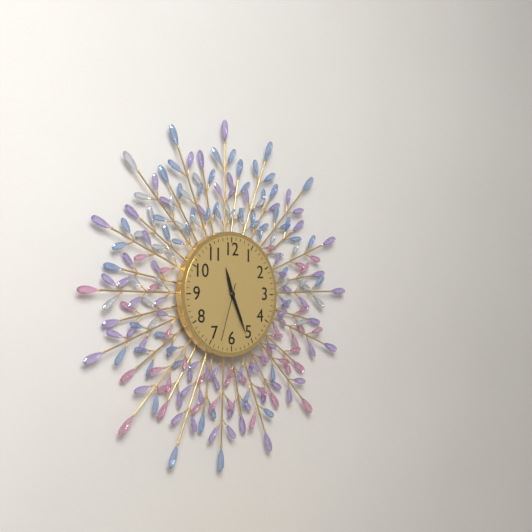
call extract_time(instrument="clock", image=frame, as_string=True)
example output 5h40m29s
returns 11h26m33s
